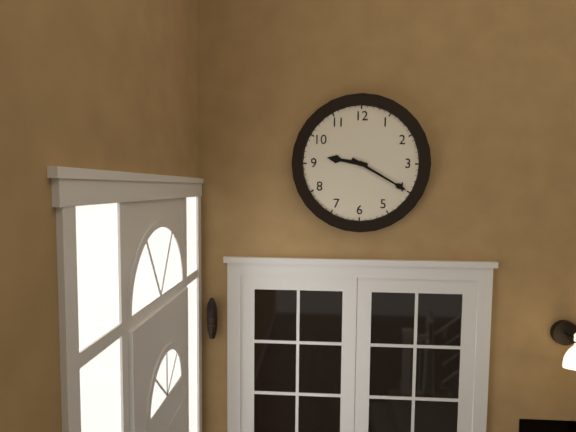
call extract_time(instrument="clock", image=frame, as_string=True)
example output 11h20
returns 9h20
